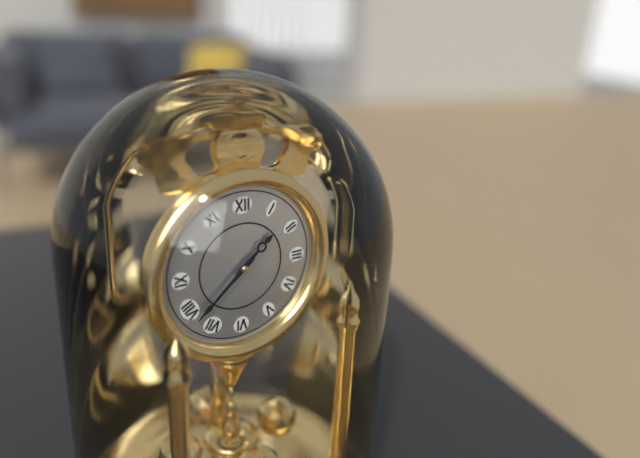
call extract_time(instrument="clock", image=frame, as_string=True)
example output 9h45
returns 1h38
